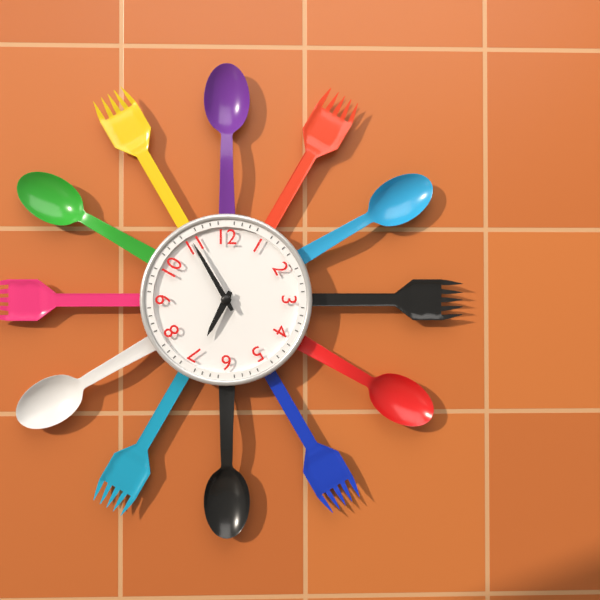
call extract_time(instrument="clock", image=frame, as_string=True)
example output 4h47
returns 6h55
